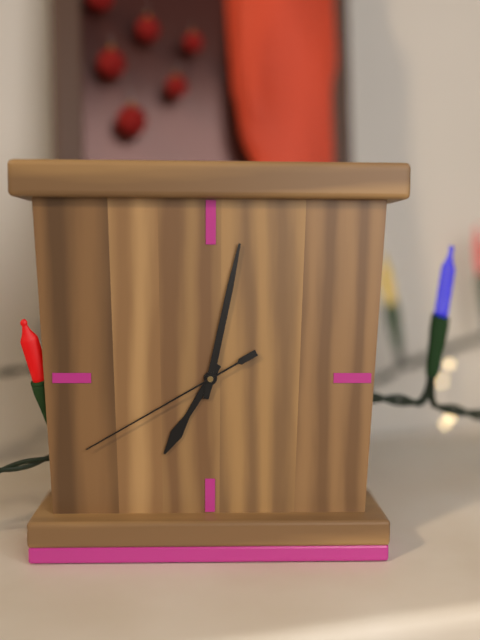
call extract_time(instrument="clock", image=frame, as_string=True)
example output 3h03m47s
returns 7h02m40s
